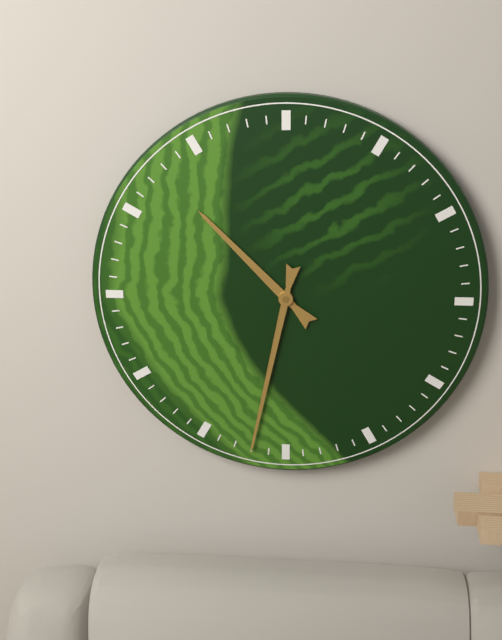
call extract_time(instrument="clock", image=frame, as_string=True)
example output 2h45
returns 10h32
